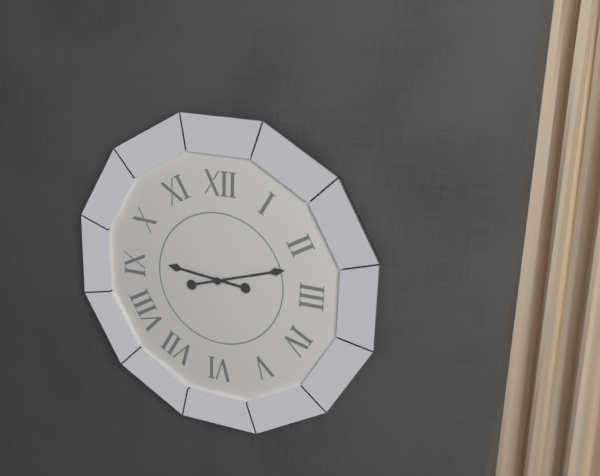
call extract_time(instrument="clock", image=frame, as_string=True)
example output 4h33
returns 9h12
